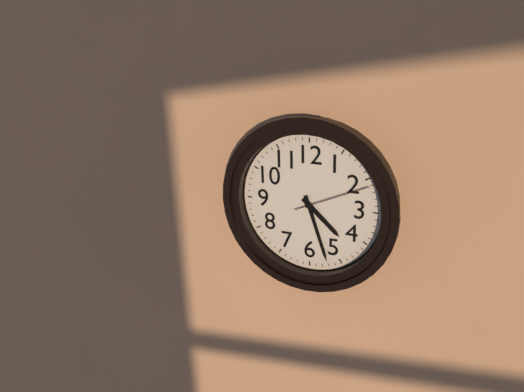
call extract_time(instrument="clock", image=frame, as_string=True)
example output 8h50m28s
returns 4h27m11s
